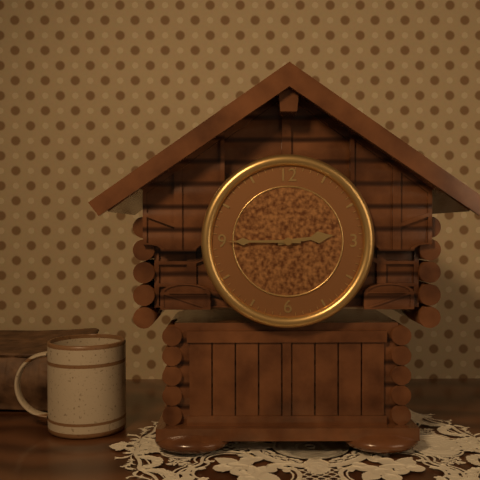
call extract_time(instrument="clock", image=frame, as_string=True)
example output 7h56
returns 2h45
